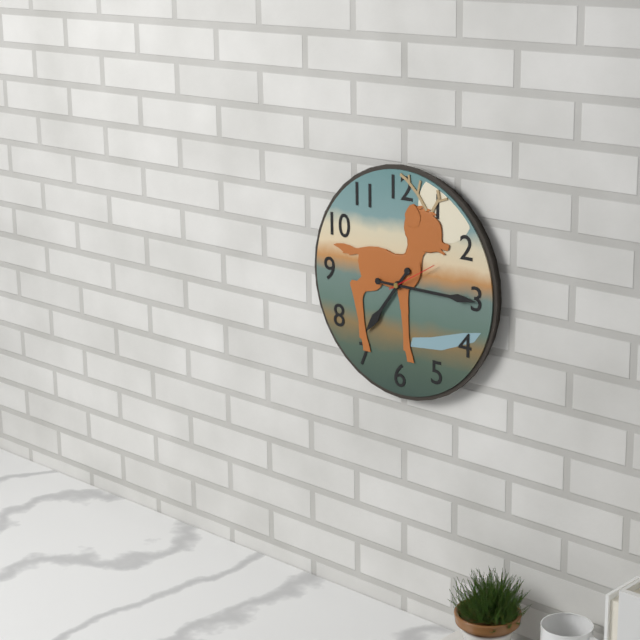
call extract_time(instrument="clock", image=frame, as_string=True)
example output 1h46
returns 7h15
